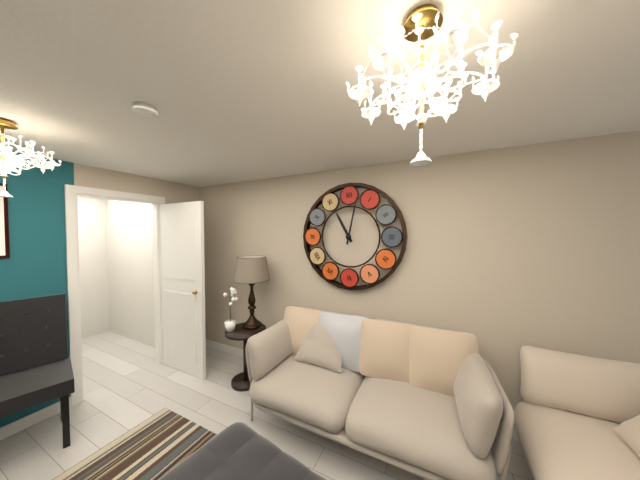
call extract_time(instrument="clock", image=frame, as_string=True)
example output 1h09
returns 11h02
